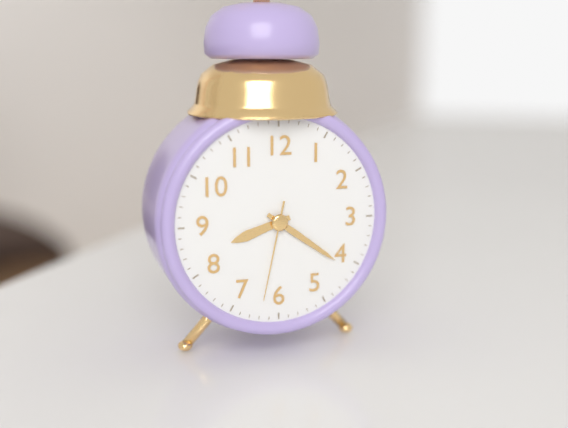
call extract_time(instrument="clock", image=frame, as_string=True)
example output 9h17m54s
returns 8h21m32s
